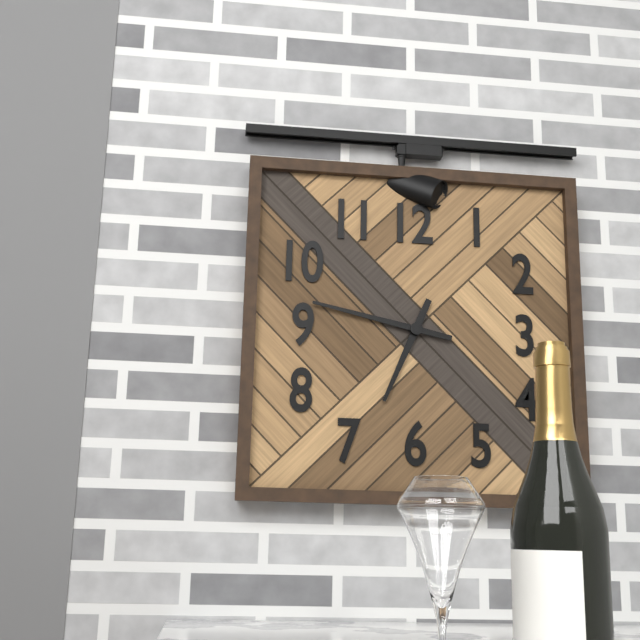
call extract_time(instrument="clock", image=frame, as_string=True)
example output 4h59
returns 6h47
